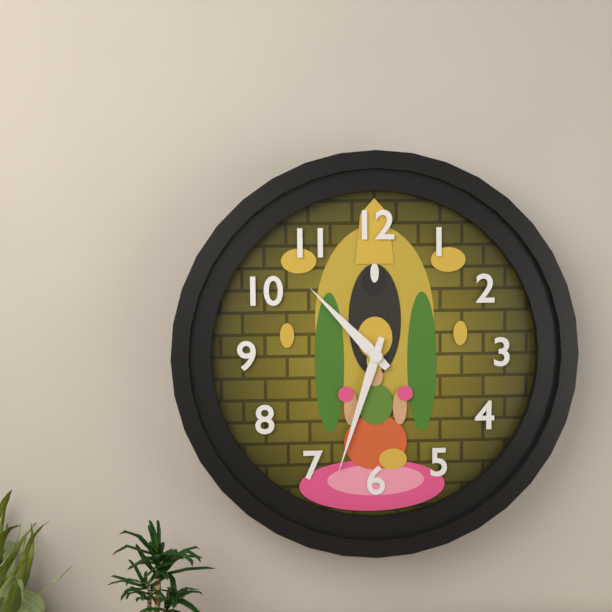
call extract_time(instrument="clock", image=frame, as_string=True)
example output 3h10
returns 10h33
